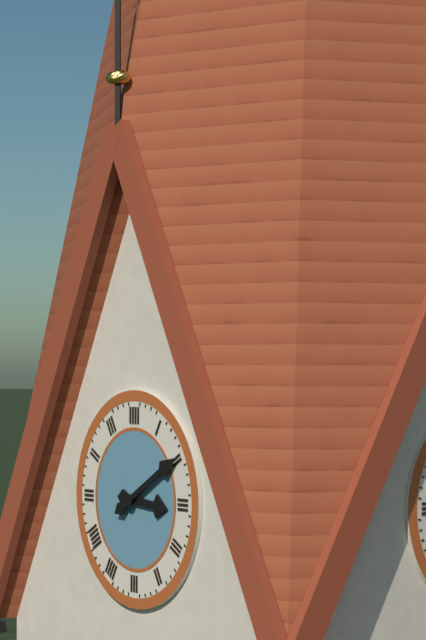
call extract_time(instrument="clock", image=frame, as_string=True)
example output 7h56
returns 3h10
